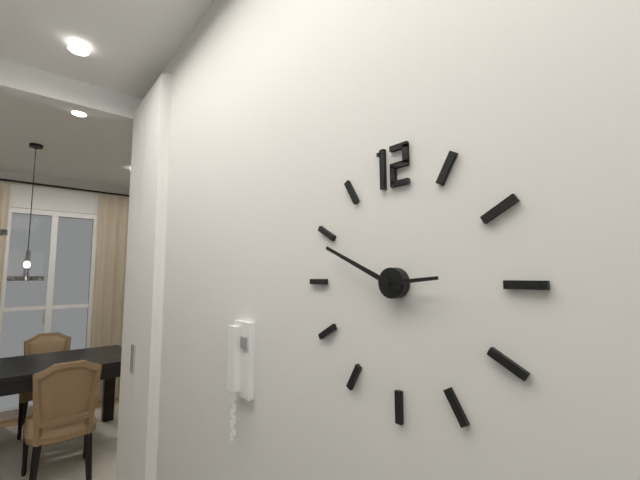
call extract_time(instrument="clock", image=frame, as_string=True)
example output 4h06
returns 2h49
